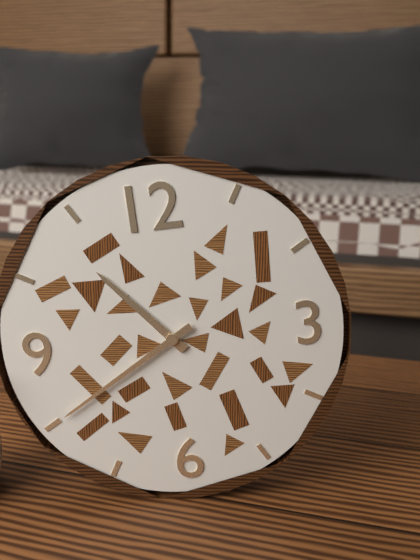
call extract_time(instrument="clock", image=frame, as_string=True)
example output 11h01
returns 10h40
